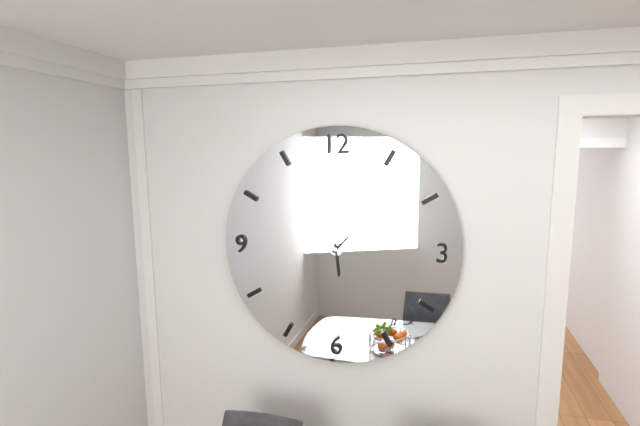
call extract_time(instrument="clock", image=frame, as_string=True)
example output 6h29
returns 1h29
